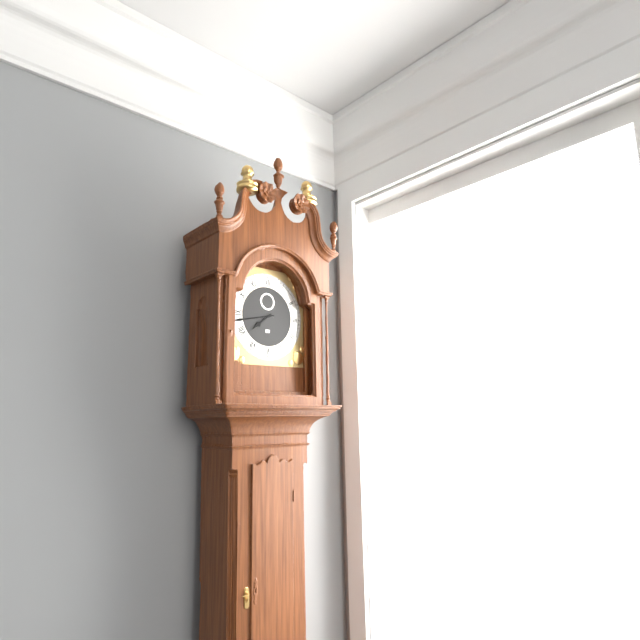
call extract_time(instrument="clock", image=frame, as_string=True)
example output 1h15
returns 7h43
